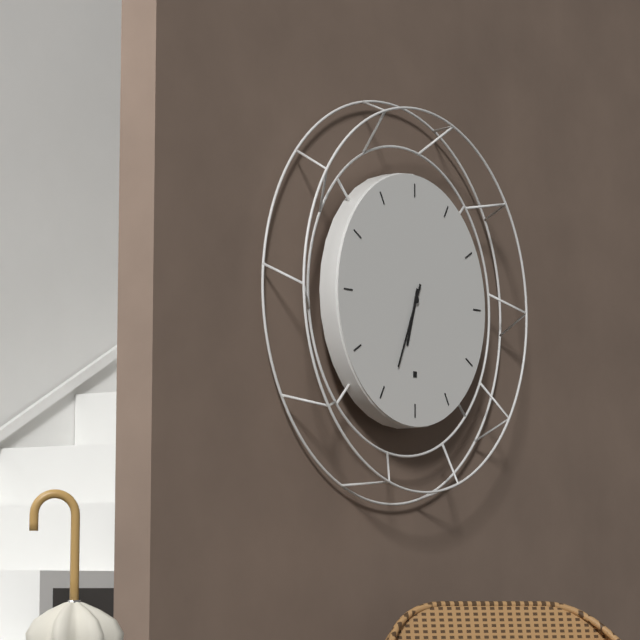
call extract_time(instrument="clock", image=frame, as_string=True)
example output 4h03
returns 6h34
